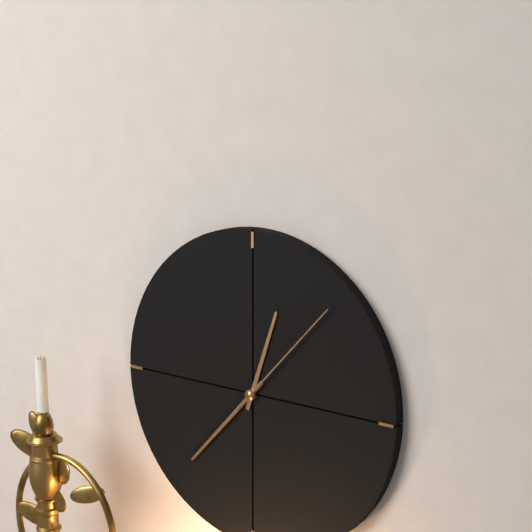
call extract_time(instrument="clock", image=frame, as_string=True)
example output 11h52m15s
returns 12h37m07s
